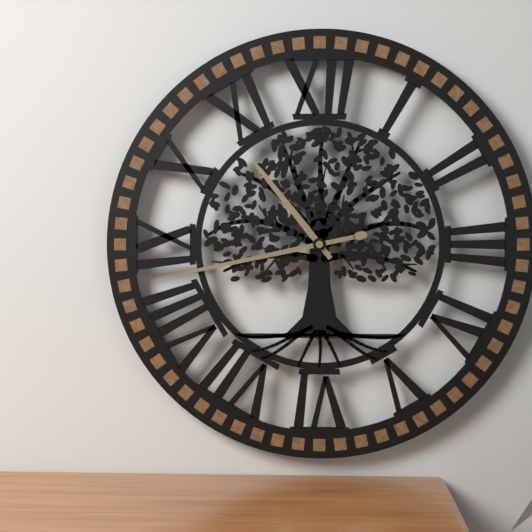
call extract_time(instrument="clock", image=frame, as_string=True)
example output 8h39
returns 10h43
